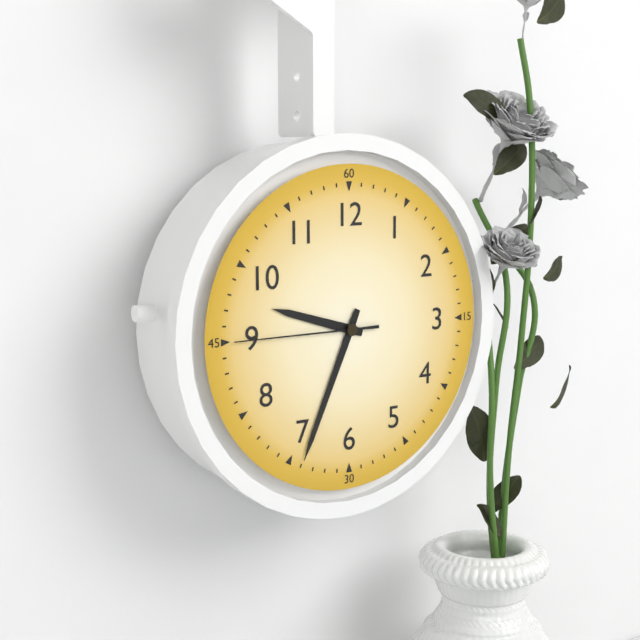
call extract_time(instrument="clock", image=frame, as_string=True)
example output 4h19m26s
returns 9h34m45s
